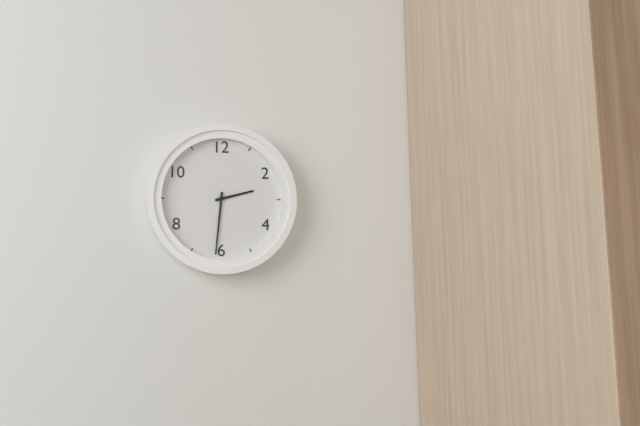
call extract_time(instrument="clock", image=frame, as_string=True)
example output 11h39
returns 2h31
